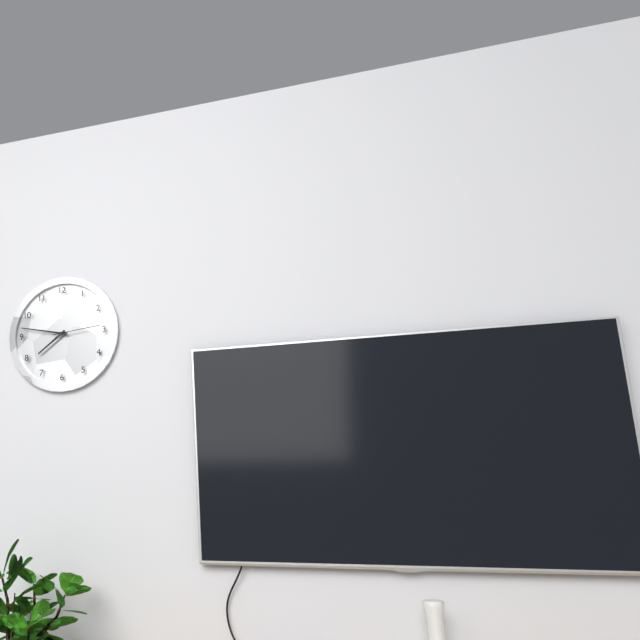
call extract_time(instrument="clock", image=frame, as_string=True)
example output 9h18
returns 7h47
